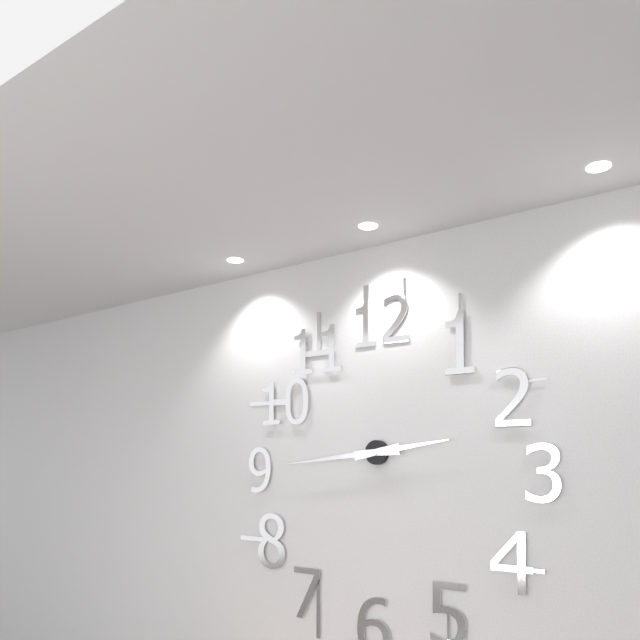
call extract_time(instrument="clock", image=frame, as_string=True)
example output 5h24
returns 2h44
